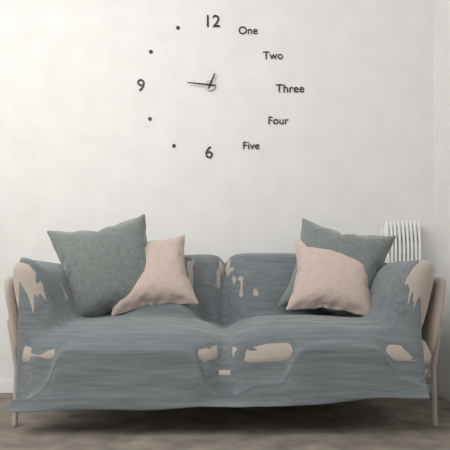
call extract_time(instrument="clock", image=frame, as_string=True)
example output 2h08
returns 12h46
